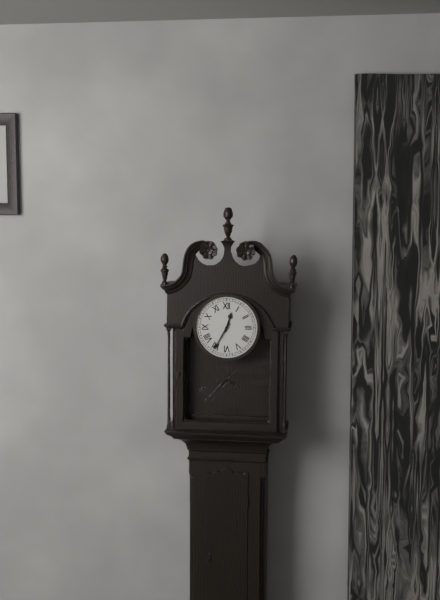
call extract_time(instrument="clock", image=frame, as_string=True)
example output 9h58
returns 12h35
